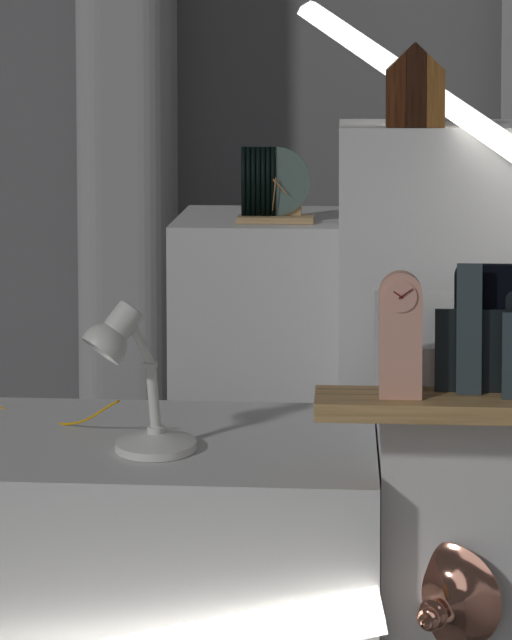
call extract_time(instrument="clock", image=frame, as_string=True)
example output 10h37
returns 4h31
